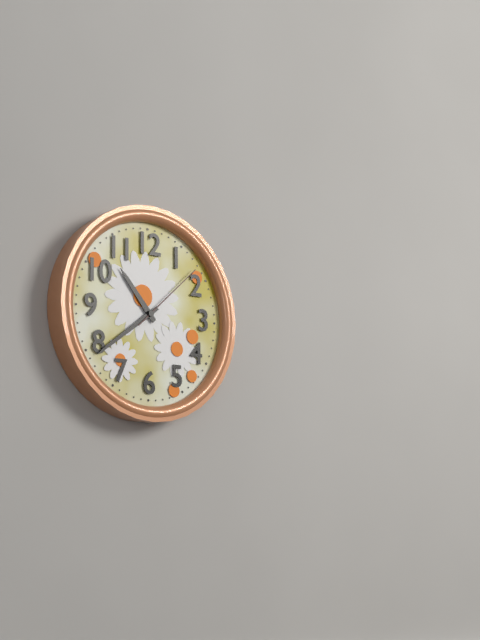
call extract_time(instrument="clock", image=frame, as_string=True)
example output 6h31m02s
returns 10h39m08s
